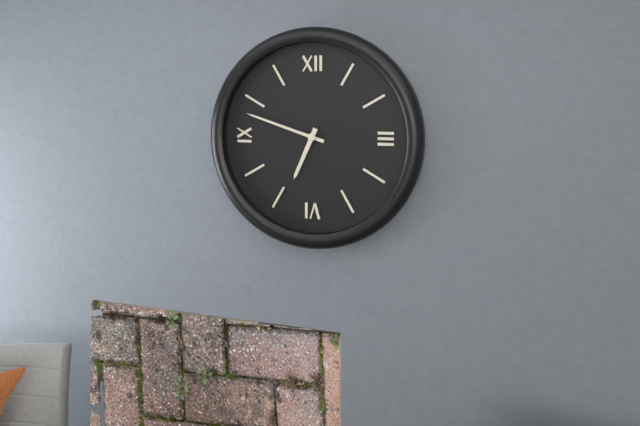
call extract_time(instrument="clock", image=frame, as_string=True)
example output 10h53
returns 6h48
